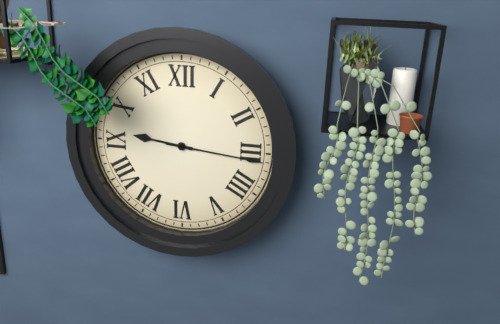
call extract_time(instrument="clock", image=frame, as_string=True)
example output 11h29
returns 9h16
